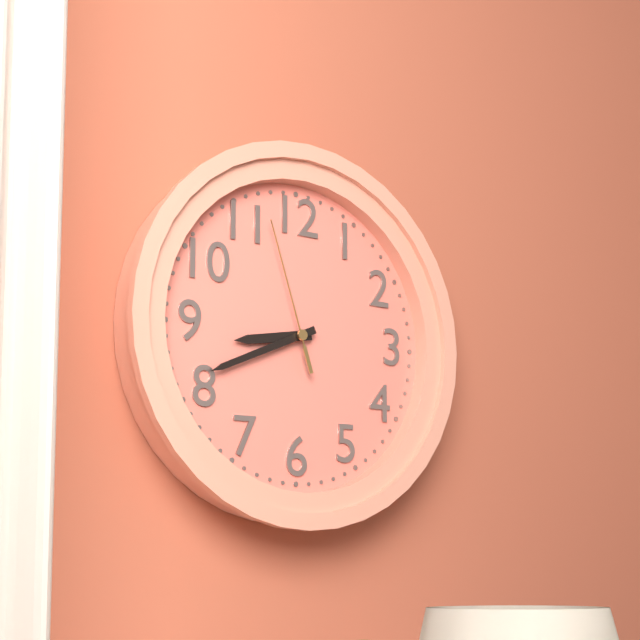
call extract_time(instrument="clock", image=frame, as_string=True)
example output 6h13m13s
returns 8h41m57s
